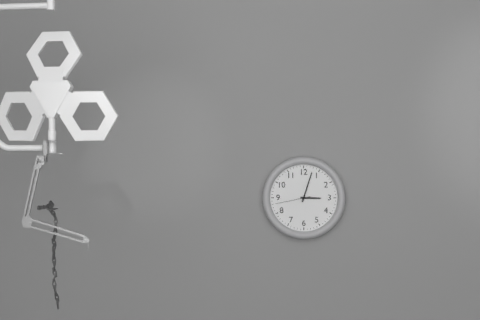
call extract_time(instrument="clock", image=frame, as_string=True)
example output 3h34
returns 3h03
